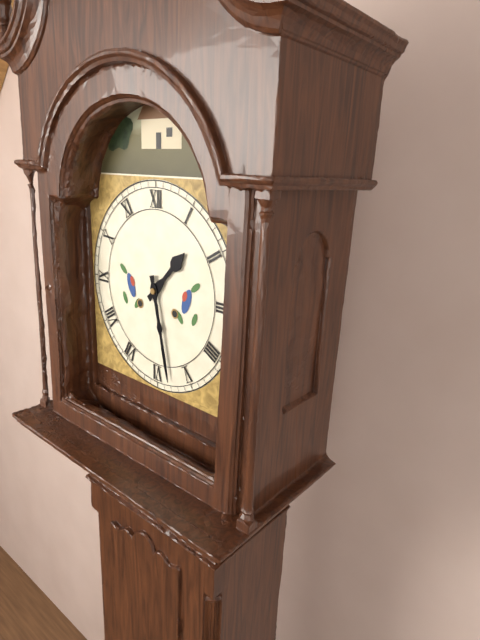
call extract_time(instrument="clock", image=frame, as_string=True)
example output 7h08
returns 1h28
